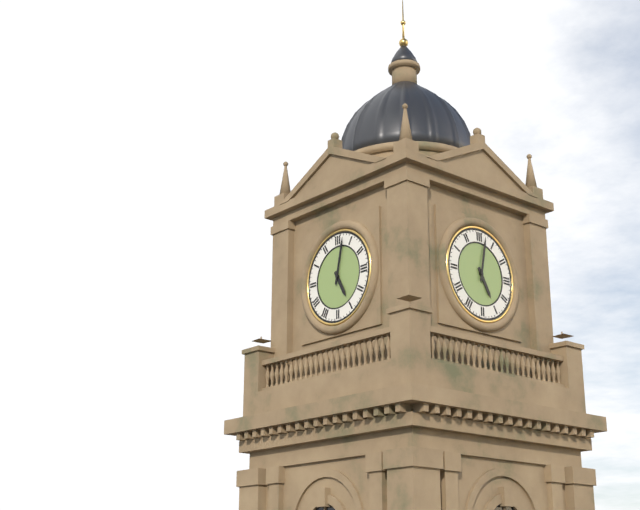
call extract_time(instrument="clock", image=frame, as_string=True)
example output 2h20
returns 5h02
